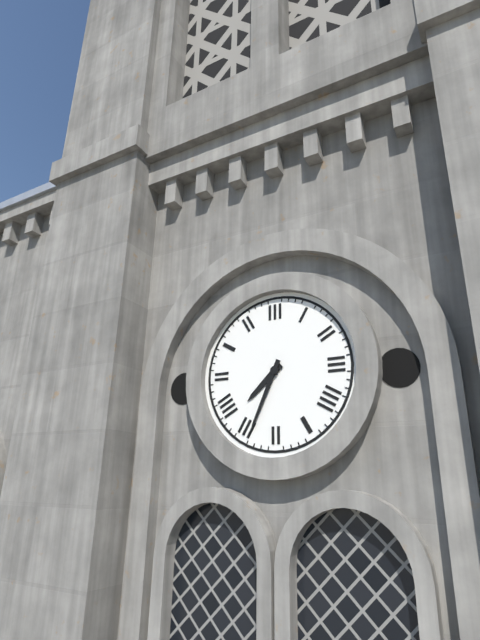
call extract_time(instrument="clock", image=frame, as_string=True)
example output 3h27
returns 7h34
